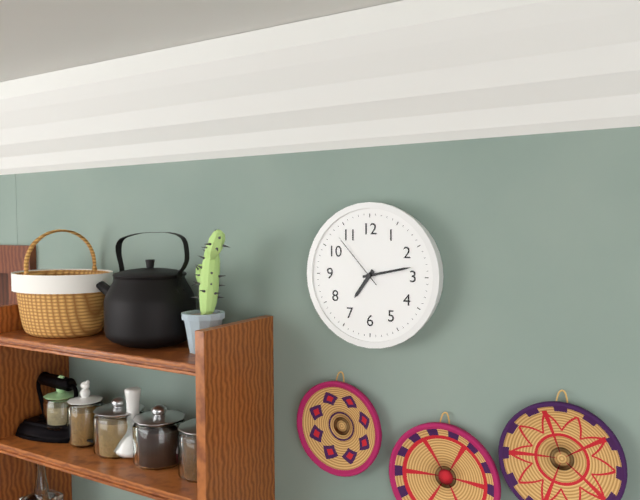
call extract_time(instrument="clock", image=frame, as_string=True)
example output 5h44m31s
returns 7h13m53s
